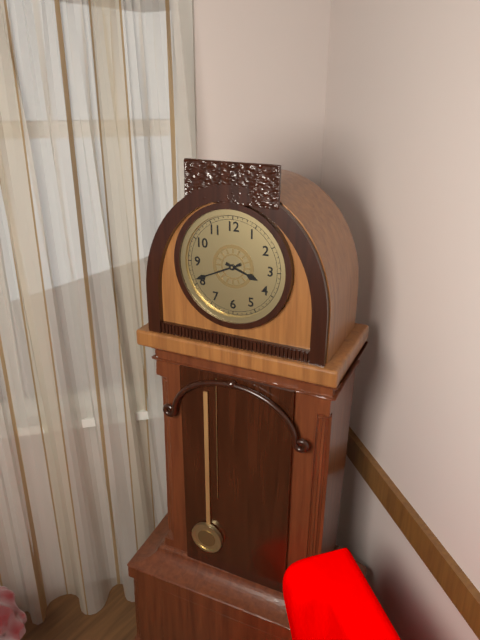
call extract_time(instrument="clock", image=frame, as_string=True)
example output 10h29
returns 3h41
